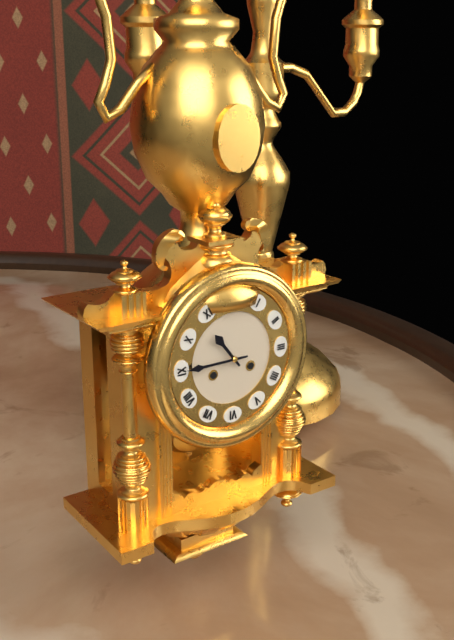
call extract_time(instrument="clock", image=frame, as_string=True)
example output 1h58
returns 10h45
